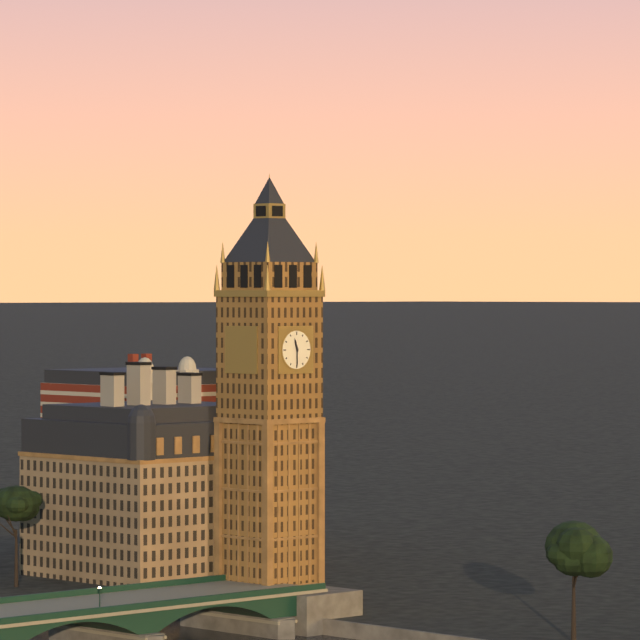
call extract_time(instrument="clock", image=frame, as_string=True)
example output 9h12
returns 11h30
